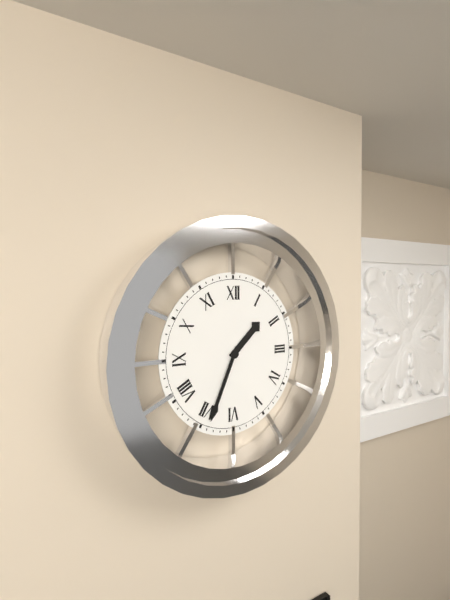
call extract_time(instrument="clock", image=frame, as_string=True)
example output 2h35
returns 1h34
